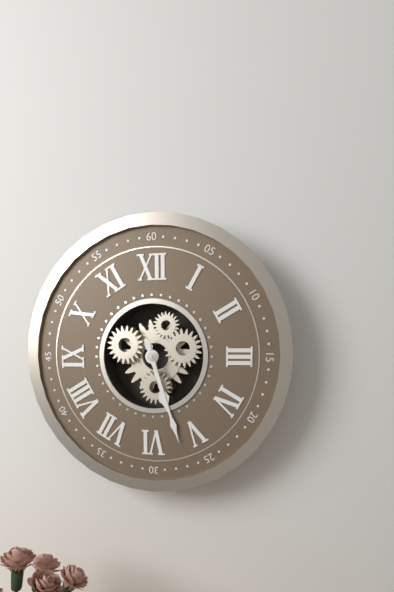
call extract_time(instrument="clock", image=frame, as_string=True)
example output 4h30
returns 5h27
